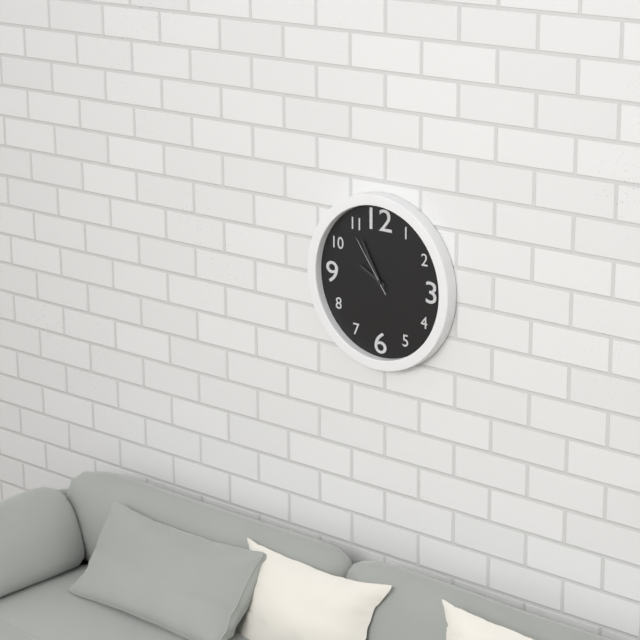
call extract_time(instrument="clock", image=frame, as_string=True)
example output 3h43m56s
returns 9h55m54s
